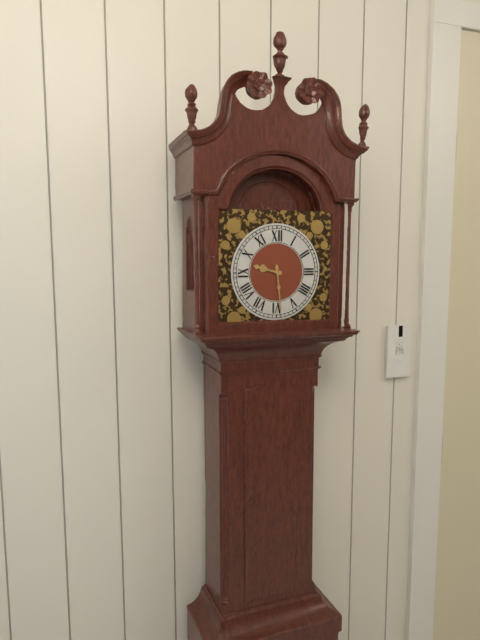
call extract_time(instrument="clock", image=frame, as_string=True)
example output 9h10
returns 9h29
